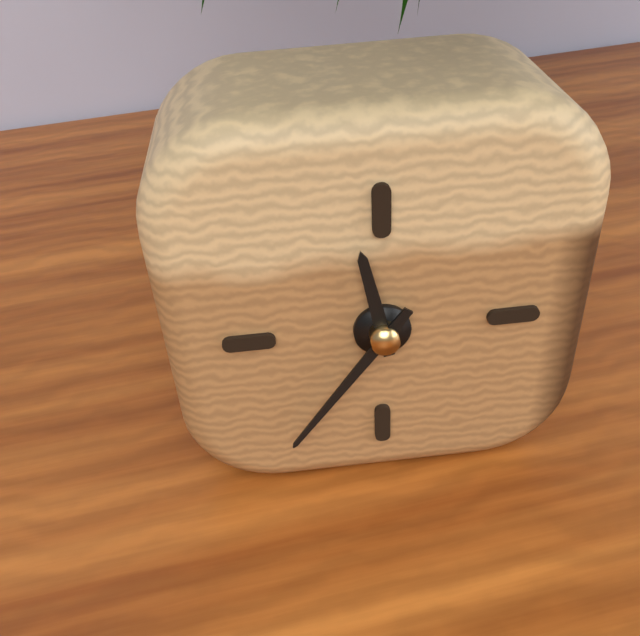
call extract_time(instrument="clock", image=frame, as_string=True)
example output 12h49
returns 11h36
